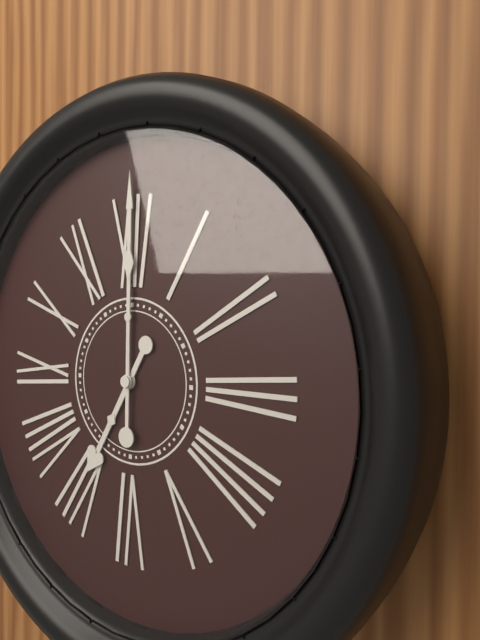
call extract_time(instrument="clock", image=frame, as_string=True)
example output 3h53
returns 7h00
